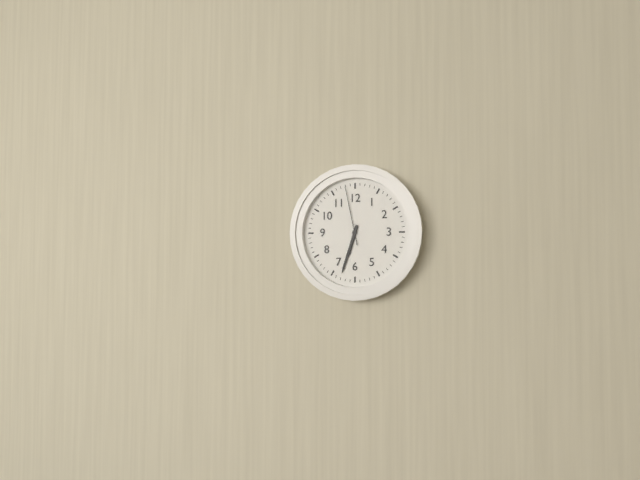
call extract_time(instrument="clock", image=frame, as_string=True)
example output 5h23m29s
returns 6h33m58s
